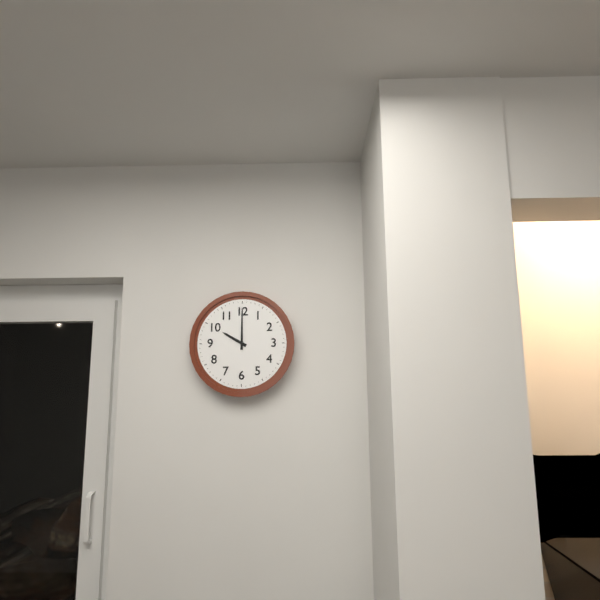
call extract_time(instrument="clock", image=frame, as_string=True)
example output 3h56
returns 10h00
